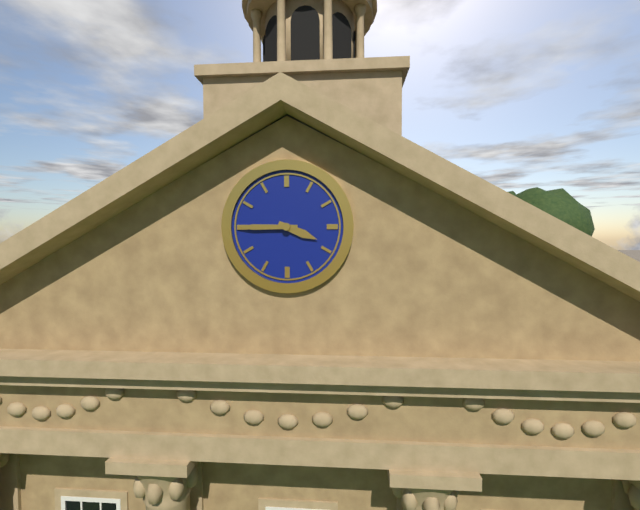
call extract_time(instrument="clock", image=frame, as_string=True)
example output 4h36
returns 3h45
